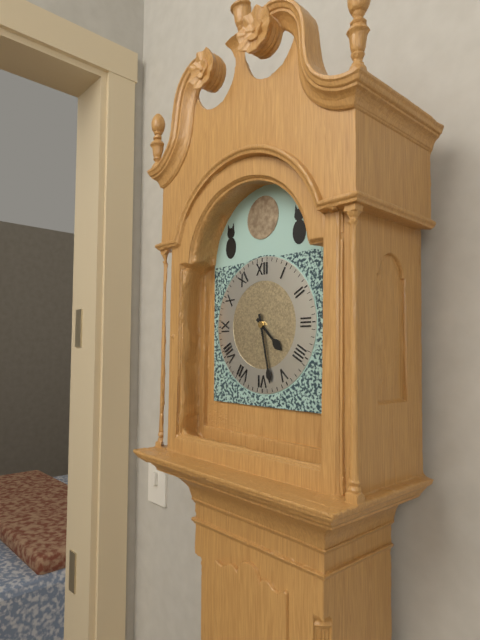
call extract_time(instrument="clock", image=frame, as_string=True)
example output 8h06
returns 4h28
